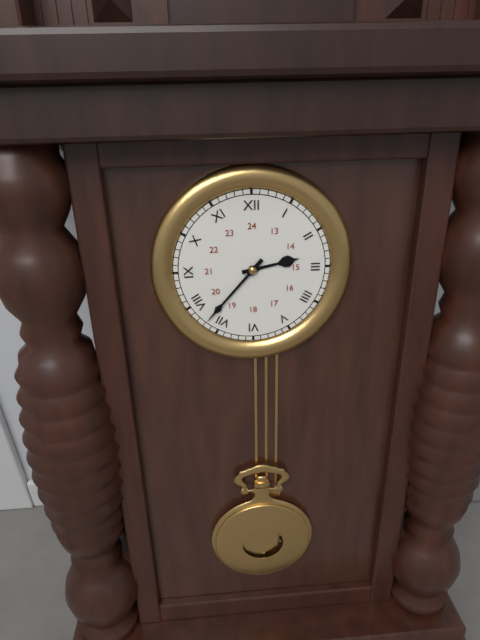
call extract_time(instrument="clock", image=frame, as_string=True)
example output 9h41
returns 2h37
